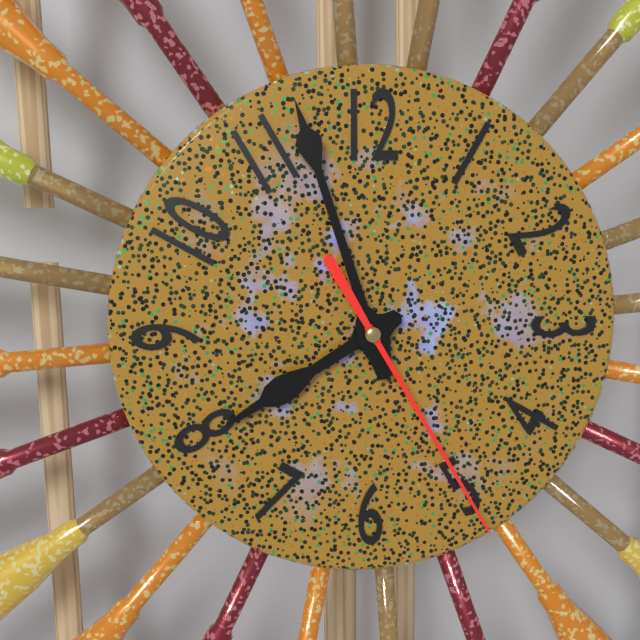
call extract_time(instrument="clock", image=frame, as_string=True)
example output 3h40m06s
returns 7h57m25s
